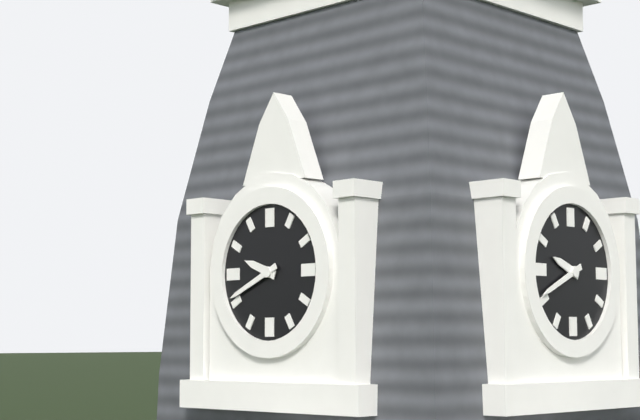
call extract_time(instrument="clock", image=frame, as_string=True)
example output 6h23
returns 9h41
